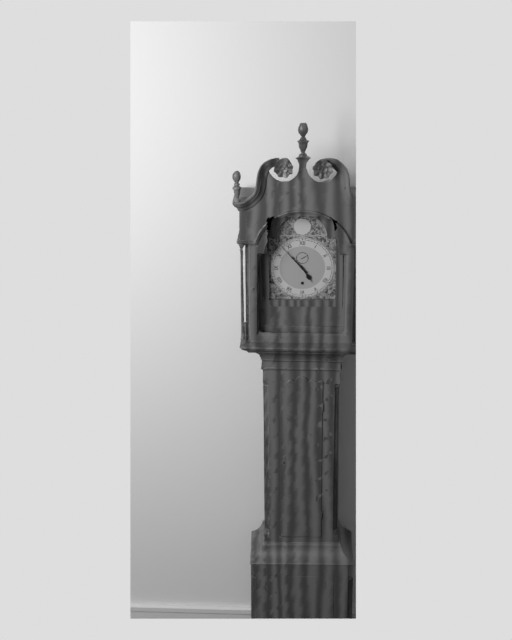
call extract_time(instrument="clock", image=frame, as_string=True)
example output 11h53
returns 4h53
